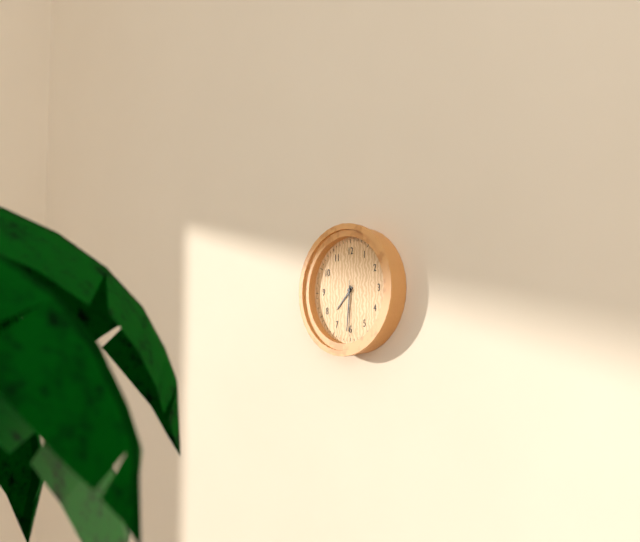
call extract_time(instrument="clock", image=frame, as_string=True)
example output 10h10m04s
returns 7h31m30s
